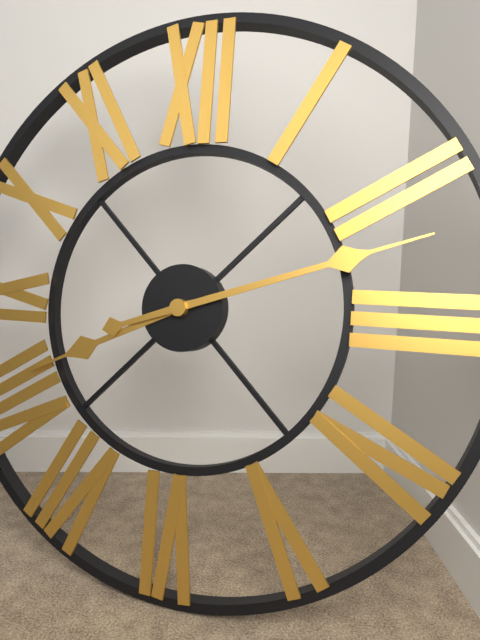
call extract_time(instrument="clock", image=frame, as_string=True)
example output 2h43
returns 8h12
